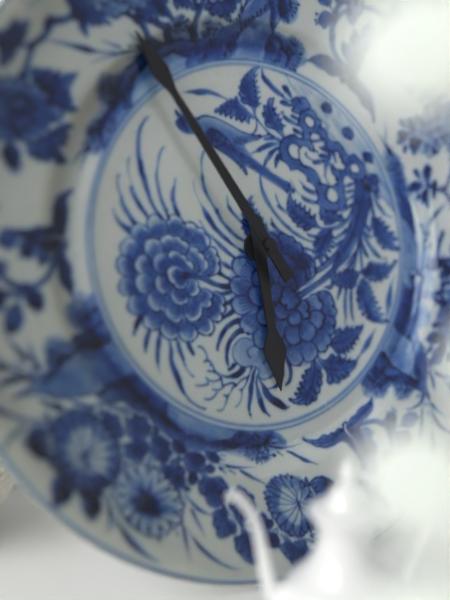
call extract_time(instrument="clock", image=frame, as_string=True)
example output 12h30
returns 5h55
